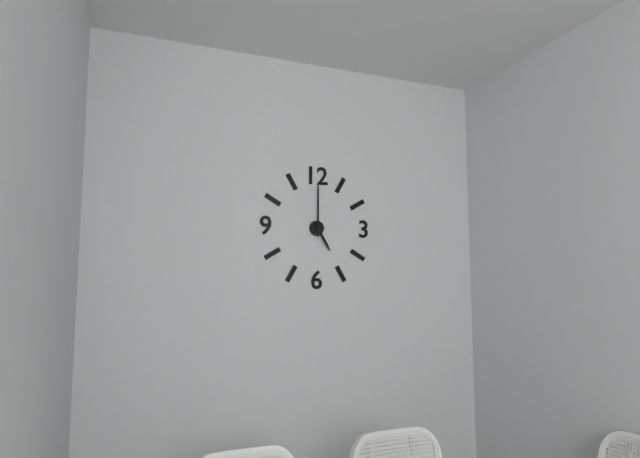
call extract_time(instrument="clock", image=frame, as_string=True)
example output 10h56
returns 5h00
